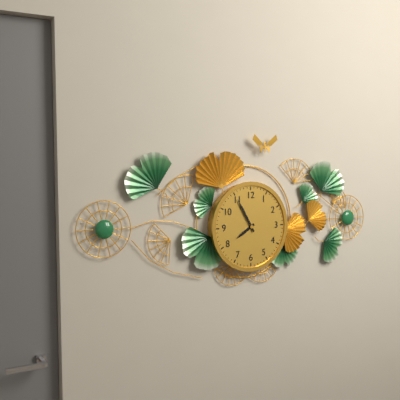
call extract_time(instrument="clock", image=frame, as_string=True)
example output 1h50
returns 7h55
